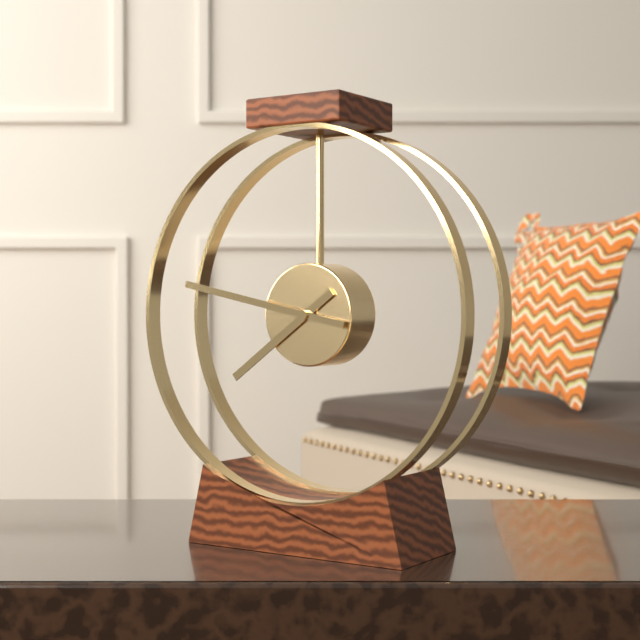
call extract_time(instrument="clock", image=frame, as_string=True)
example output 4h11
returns 7h47
